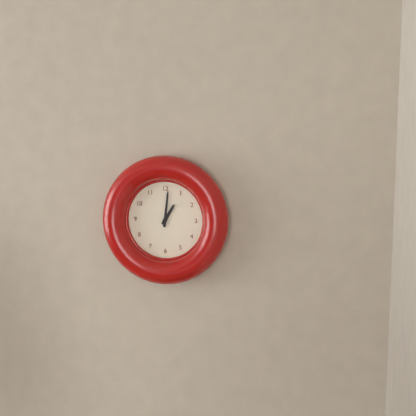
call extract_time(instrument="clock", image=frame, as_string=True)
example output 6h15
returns 1h01
